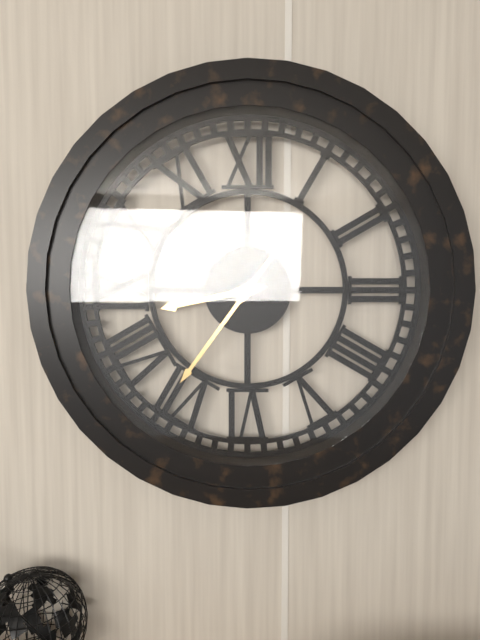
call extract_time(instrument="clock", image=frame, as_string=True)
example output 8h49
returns 8h36
